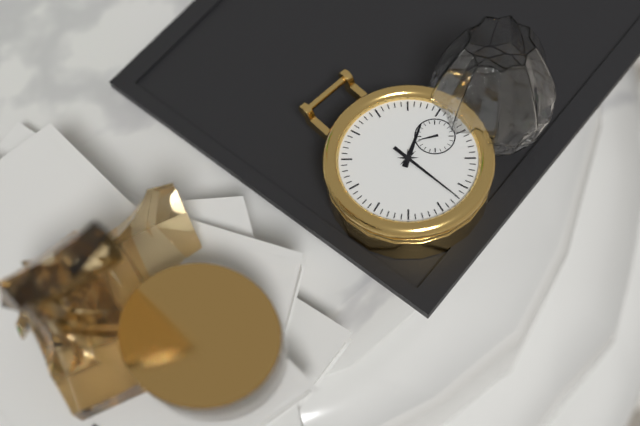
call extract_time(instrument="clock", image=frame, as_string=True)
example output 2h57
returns 3h37
